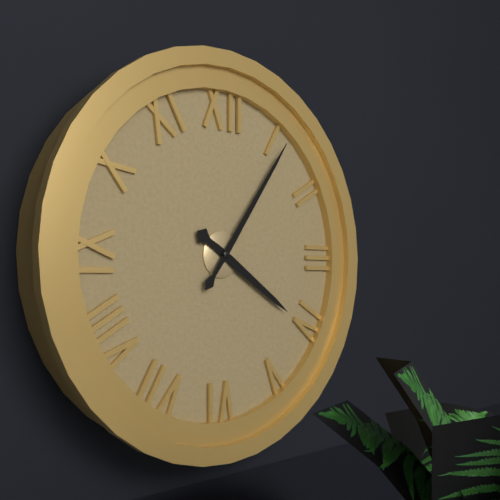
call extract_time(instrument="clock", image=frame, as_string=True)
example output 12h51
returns 4h06
